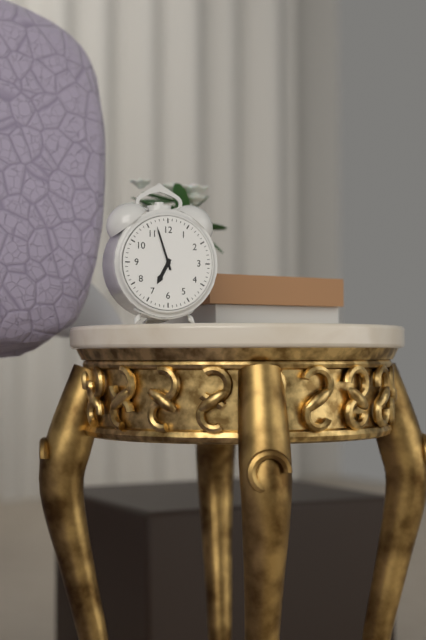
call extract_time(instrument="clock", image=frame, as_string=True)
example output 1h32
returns 6h57
